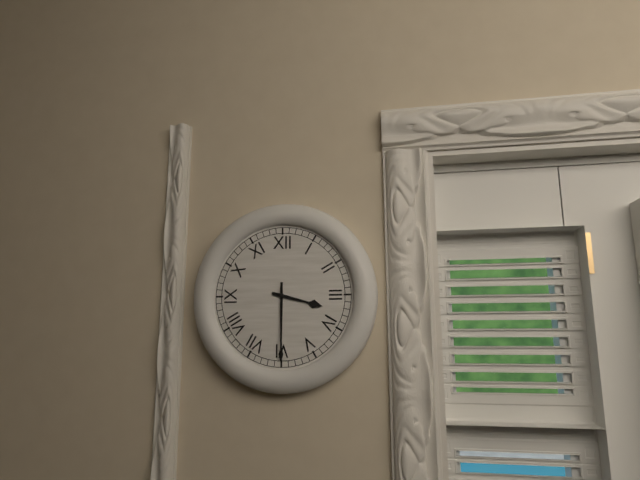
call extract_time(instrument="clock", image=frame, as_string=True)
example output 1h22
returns 3h30
